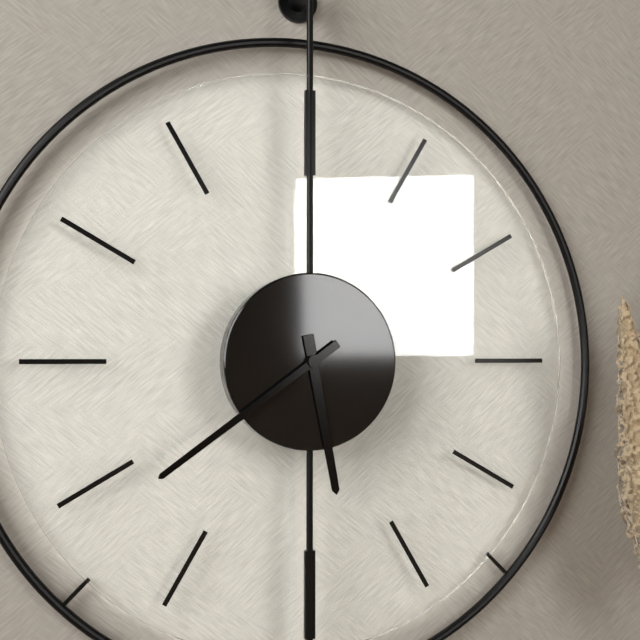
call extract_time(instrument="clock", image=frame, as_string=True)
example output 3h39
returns 5h39
